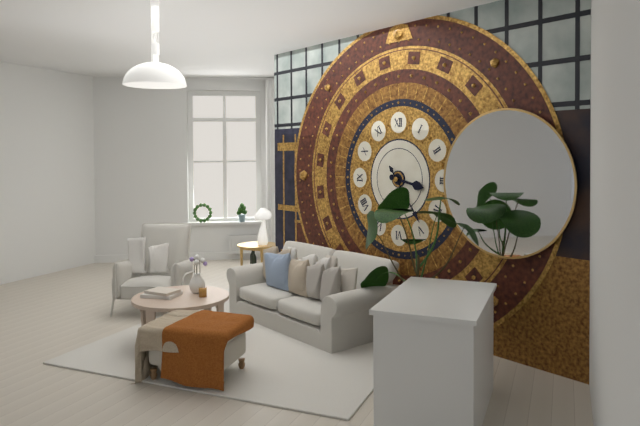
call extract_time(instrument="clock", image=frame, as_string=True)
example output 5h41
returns 3h24
